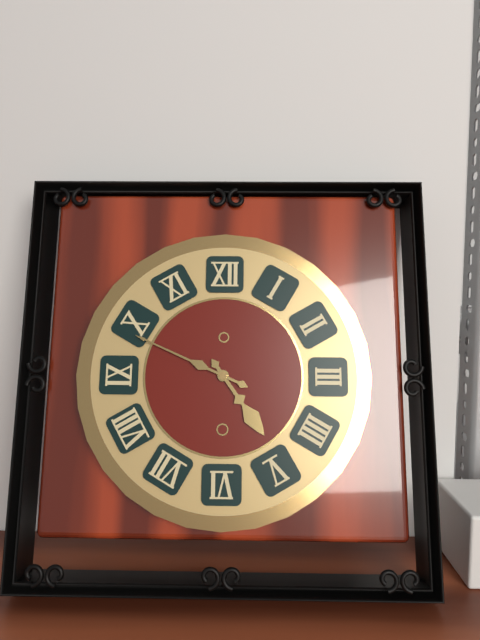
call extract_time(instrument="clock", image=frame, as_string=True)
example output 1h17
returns 4h49
